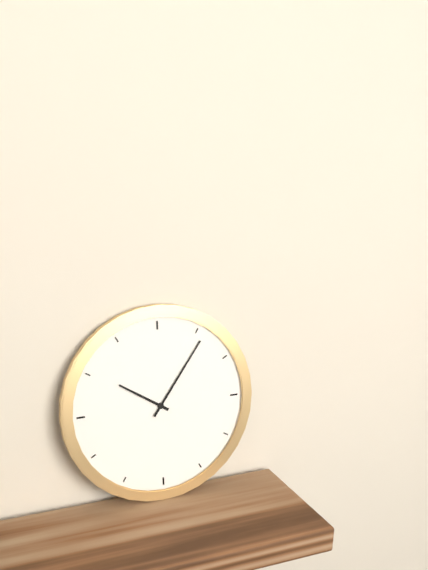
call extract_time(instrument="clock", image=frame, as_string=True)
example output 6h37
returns 10h06
